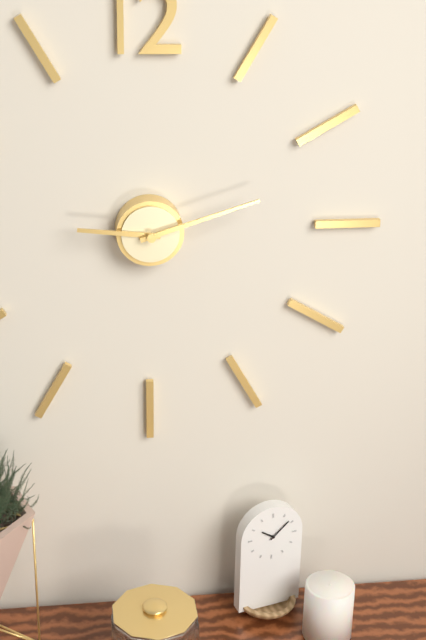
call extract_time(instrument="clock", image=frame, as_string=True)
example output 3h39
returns 9h12
